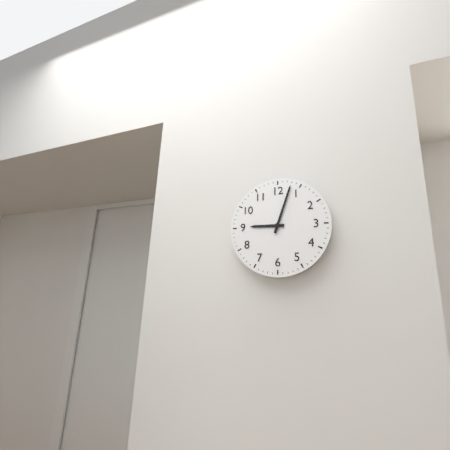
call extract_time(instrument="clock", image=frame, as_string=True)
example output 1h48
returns 9h03
